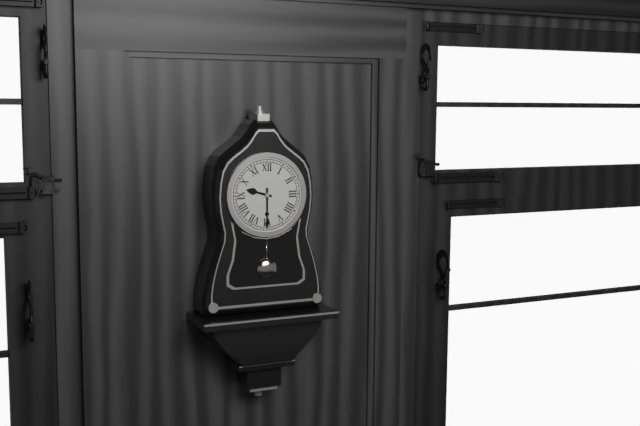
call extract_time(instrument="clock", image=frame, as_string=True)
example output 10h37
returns 9h30
